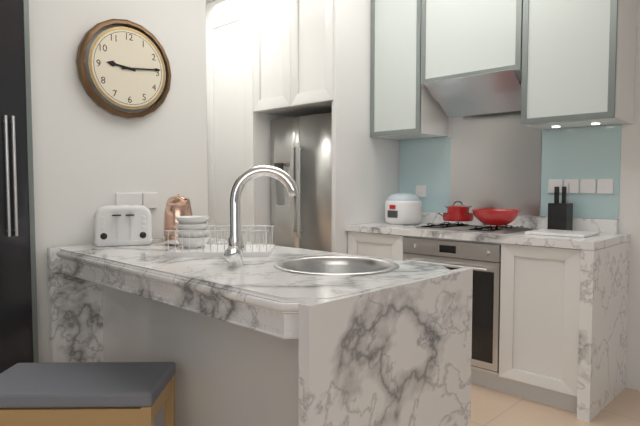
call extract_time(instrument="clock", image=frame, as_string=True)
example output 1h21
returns 9h14
